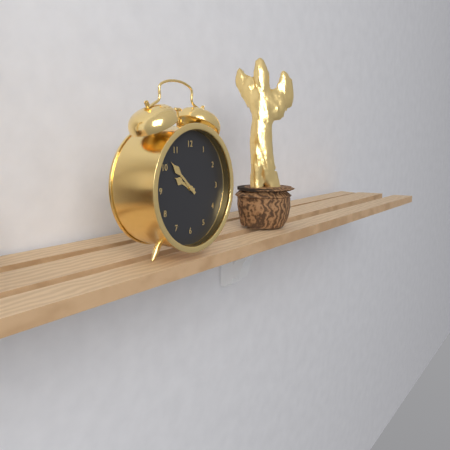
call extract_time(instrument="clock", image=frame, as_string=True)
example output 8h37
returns 9h52
